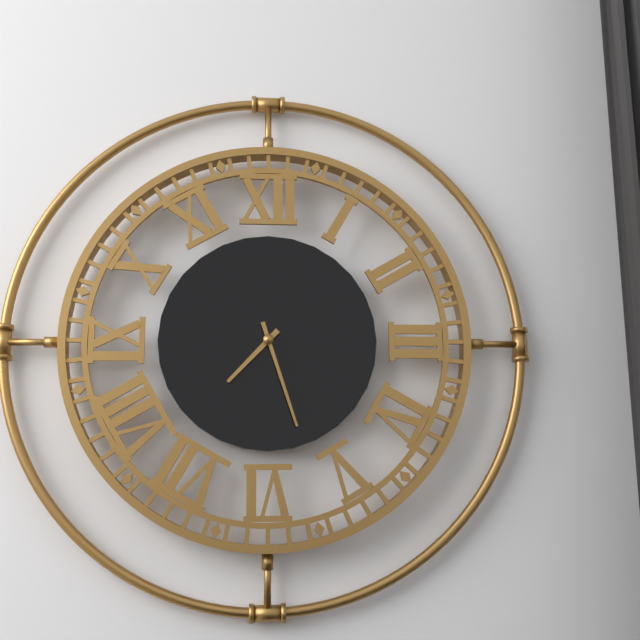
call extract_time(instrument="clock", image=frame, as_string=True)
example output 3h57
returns 7h27
